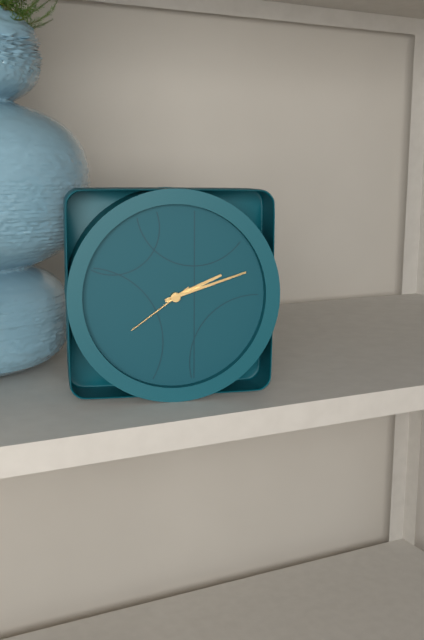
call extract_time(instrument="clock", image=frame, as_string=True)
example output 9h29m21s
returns 2h12m39s
